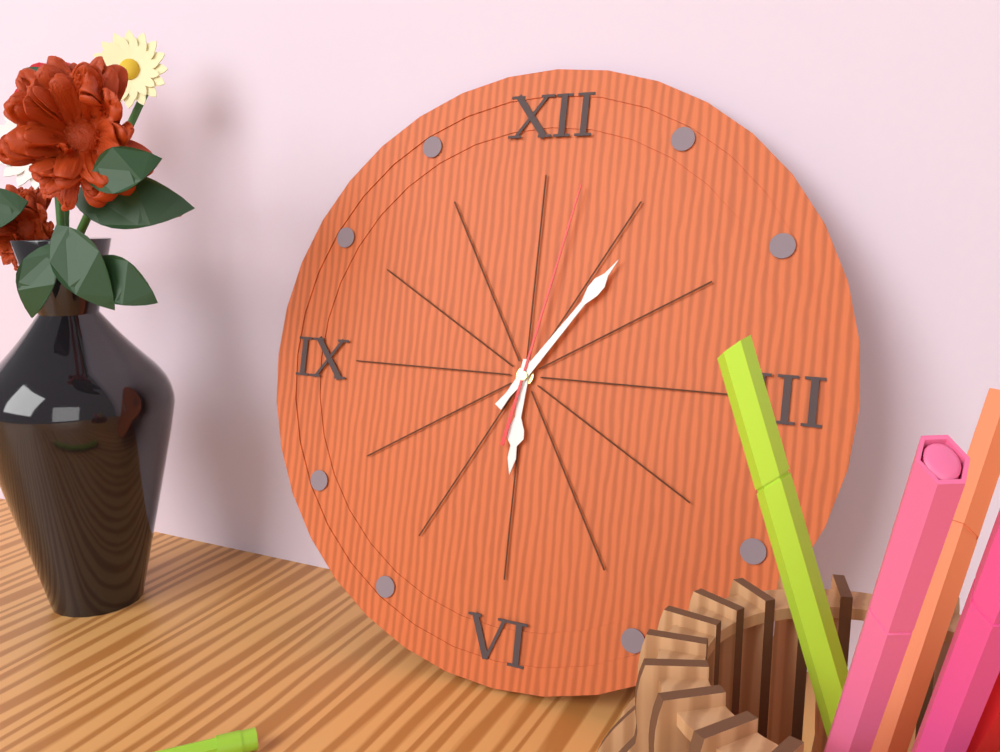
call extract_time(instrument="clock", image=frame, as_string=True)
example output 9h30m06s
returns 6h06m02s
